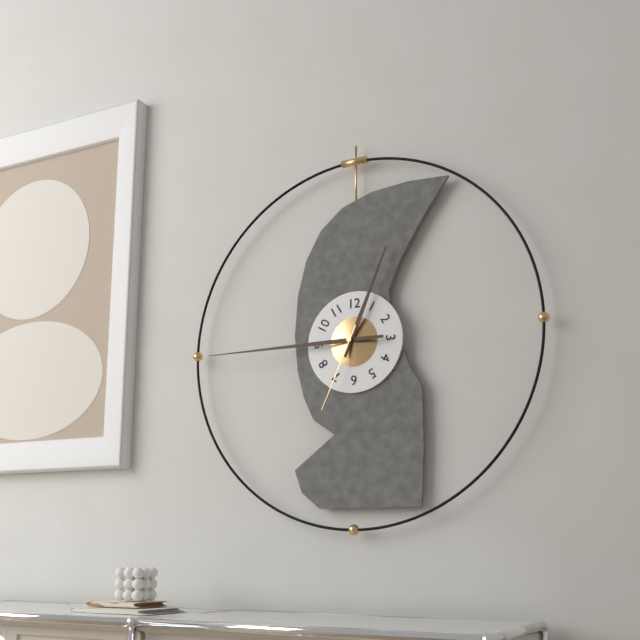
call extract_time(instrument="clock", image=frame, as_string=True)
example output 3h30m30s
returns 12h45m34s
